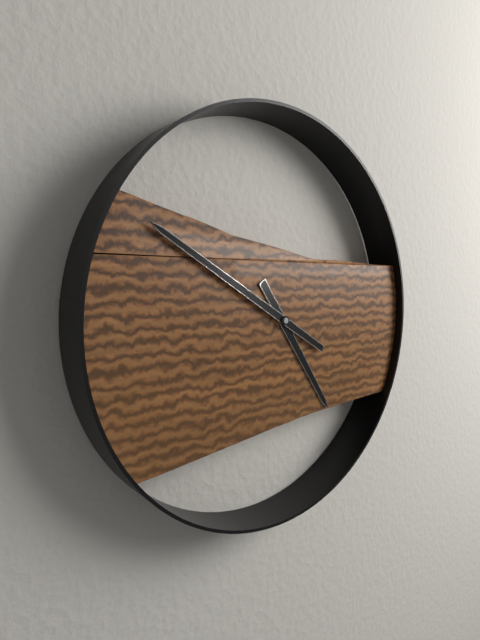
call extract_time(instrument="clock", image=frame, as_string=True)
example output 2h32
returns 4h50
